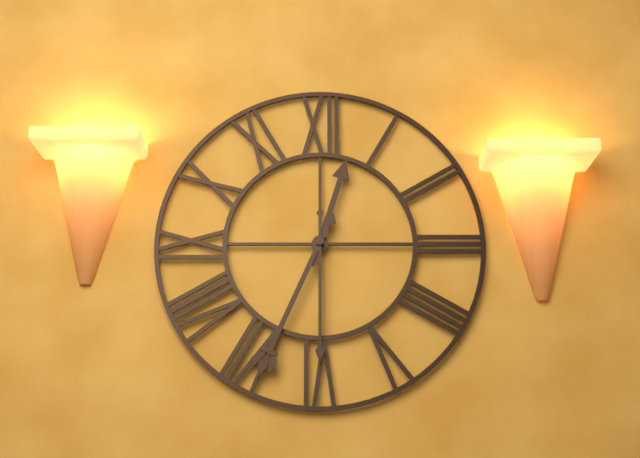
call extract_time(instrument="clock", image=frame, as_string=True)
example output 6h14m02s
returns 12h34m30s
